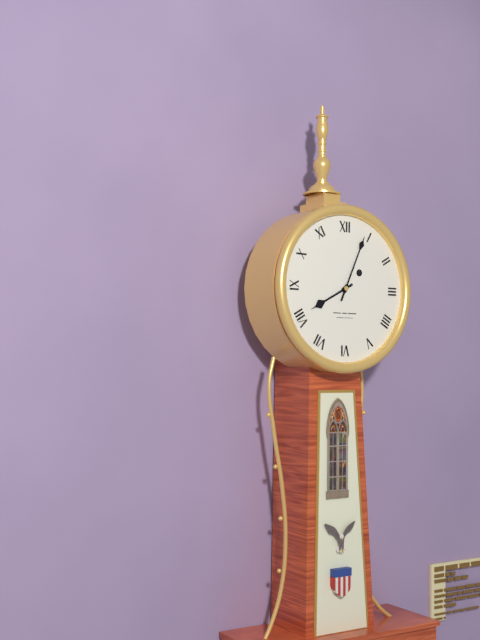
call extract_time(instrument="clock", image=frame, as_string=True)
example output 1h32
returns 8h04
